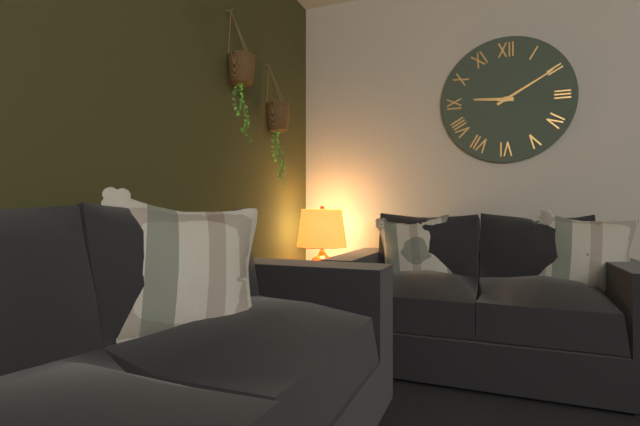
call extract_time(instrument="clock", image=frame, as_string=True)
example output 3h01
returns 9h10
